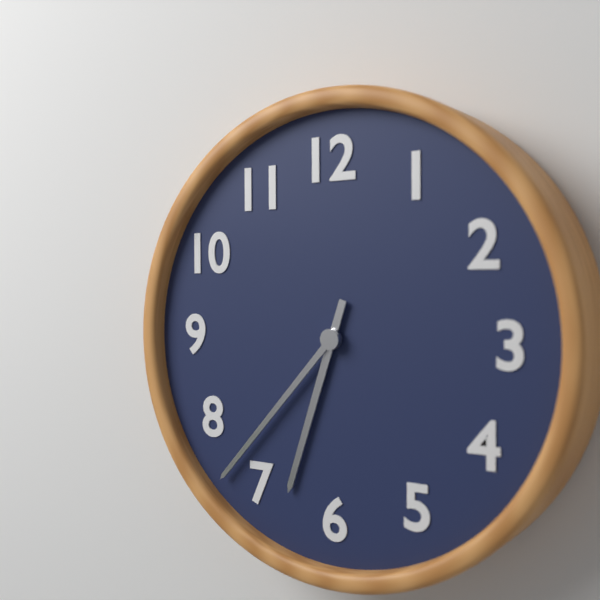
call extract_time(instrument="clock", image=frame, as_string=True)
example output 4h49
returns 6h37
